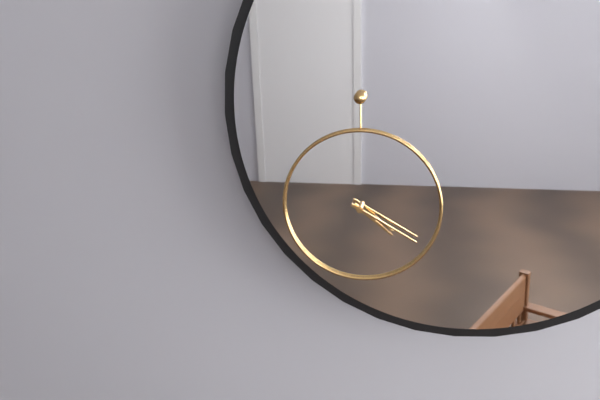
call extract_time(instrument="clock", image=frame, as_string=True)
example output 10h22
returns 4h20
